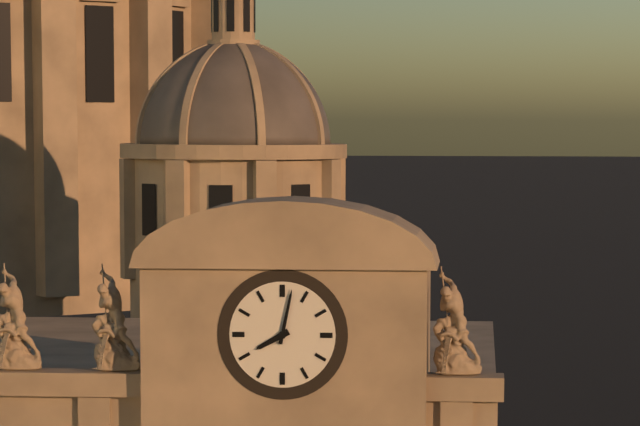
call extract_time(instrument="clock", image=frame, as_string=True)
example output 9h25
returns 8h02
